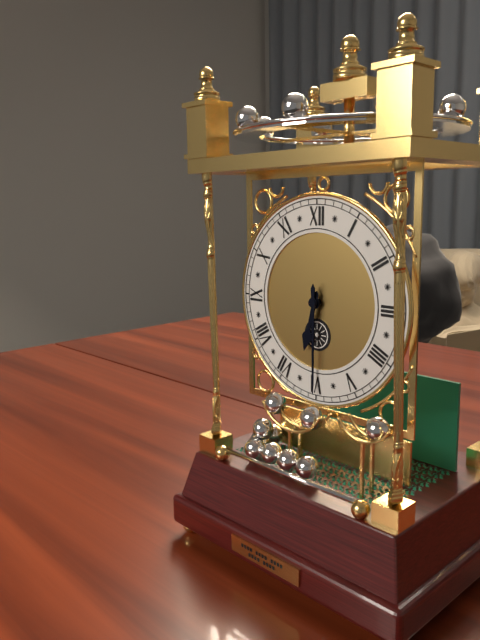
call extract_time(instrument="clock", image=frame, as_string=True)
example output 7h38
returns 6h30
